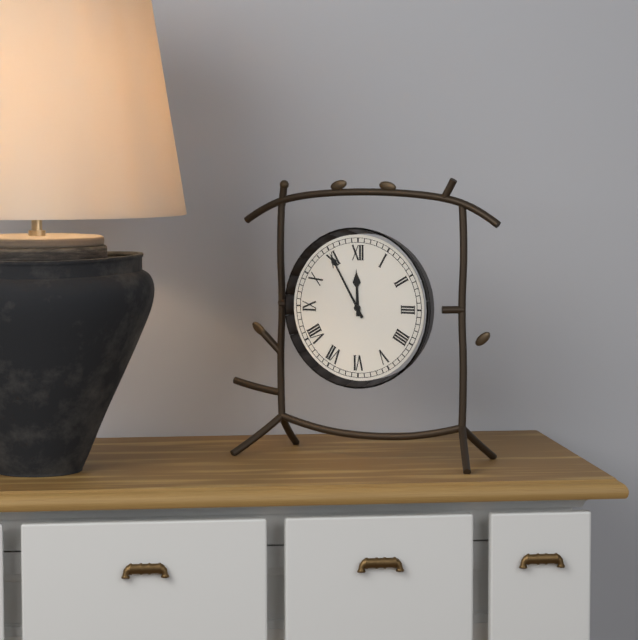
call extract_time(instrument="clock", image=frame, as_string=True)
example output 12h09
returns 11h55
